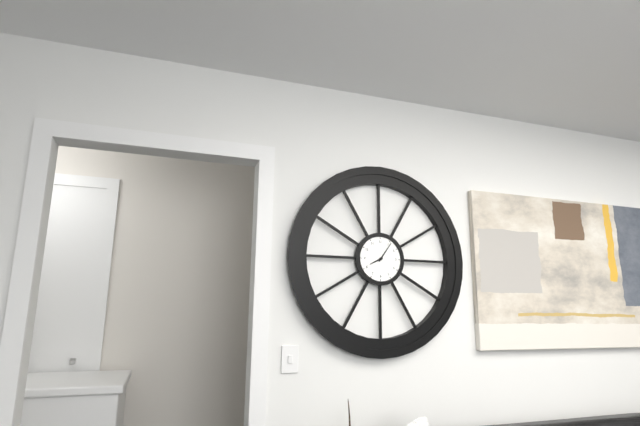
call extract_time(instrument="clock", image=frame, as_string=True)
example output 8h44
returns 8h06
